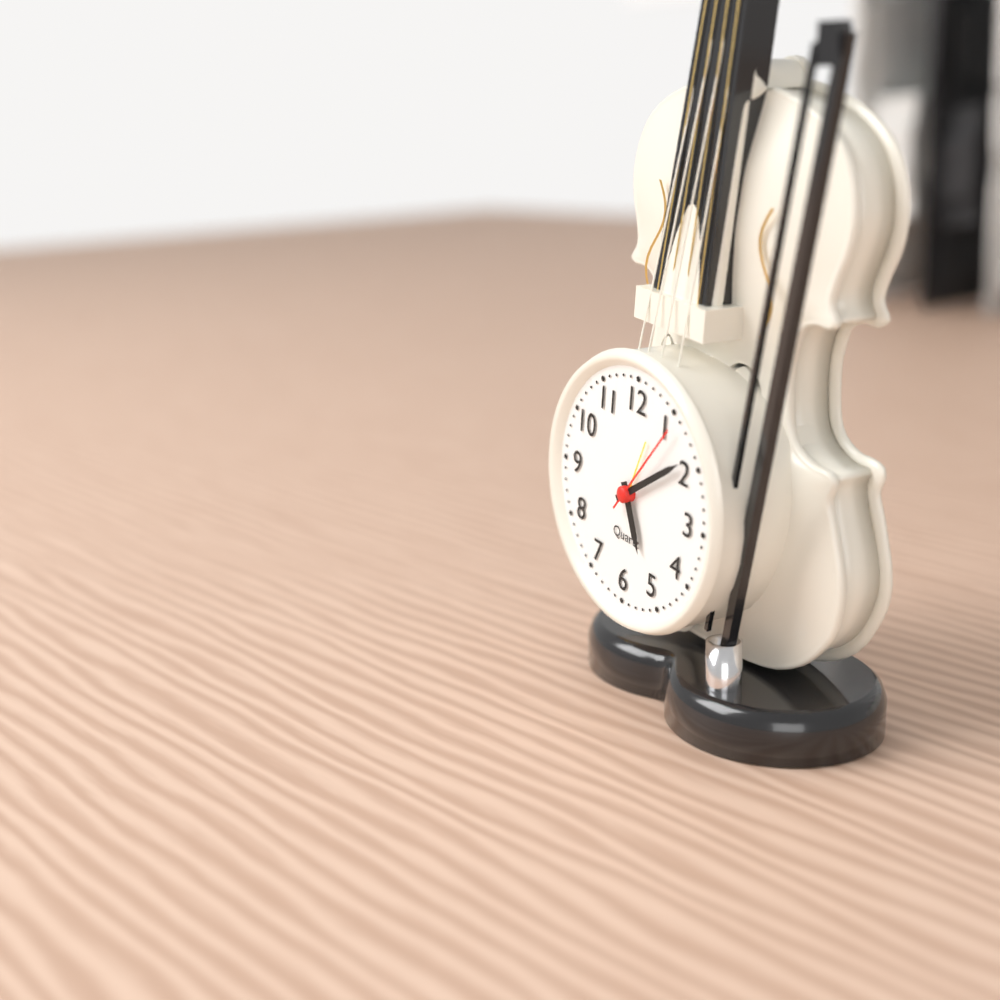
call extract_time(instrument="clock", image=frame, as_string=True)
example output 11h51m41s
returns 5h09m06s
